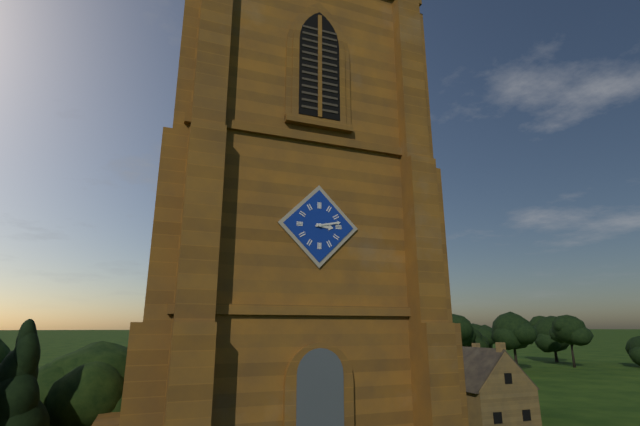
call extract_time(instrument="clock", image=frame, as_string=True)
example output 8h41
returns 3h13
